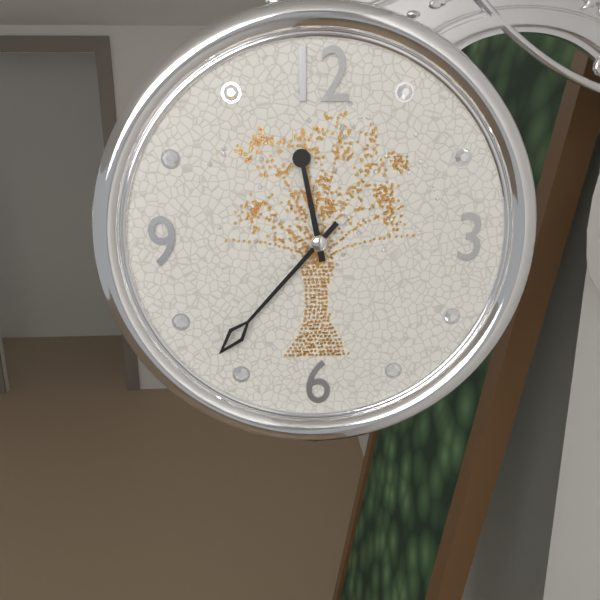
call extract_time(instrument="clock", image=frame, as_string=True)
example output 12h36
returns 11h37
